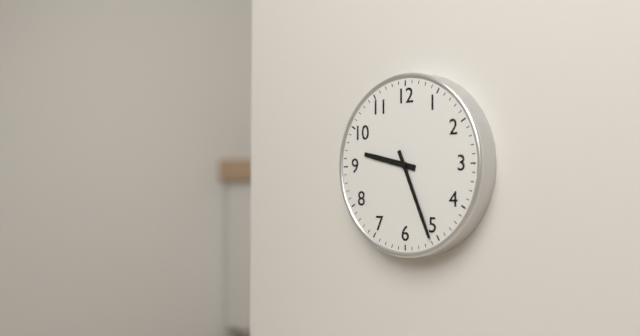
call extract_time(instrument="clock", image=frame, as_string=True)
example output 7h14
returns 9h26
